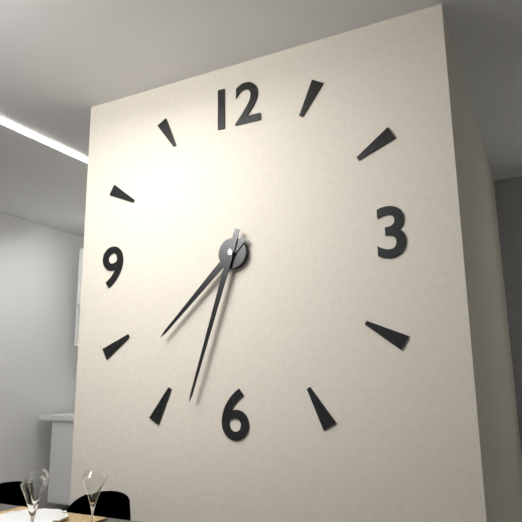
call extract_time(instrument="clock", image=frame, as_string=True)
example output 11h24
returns 7h33
